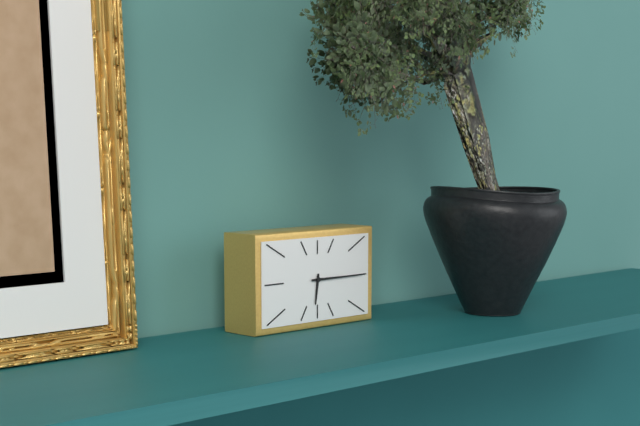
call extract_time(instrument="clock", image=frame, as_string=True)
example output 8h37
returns 6h15
